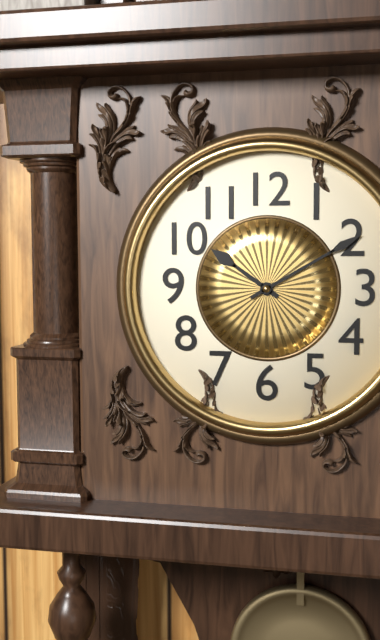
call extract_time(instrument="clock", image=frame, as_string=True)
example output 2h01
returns 10h10
